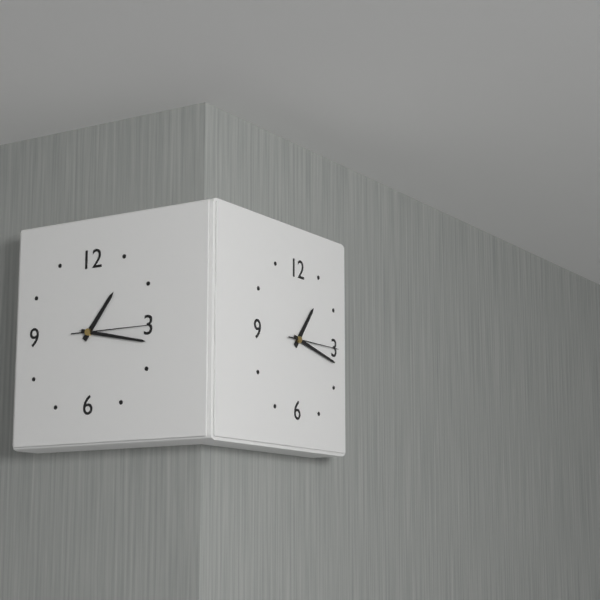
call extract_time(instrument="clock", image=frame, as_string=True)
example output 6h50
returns 1h17
